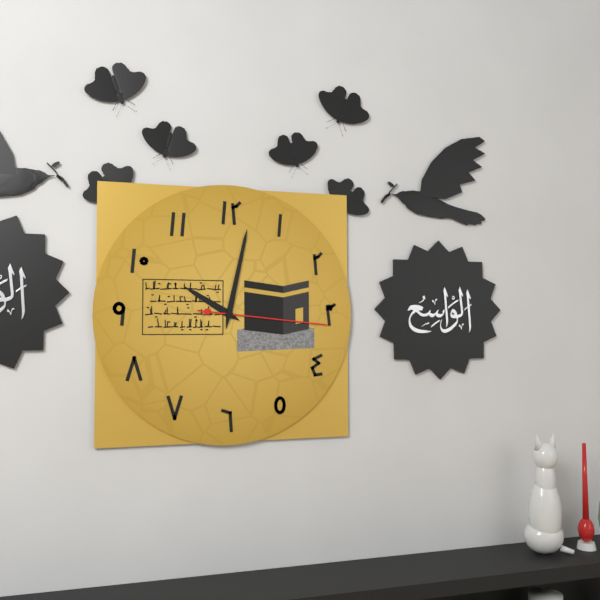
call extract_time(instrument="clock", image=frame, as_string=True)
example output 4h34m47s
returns 10h02m16s
